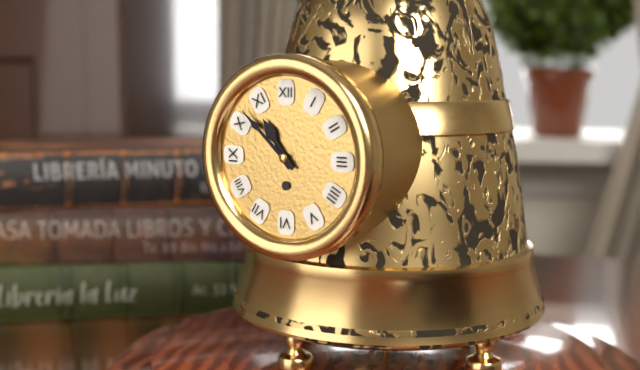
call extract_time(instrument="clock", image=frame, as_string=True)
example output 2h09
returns 10h52
